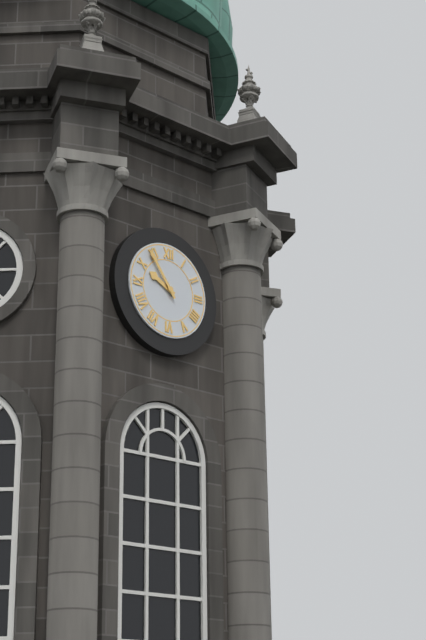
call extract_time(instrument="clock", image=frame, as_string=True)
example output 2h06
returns 9h54
